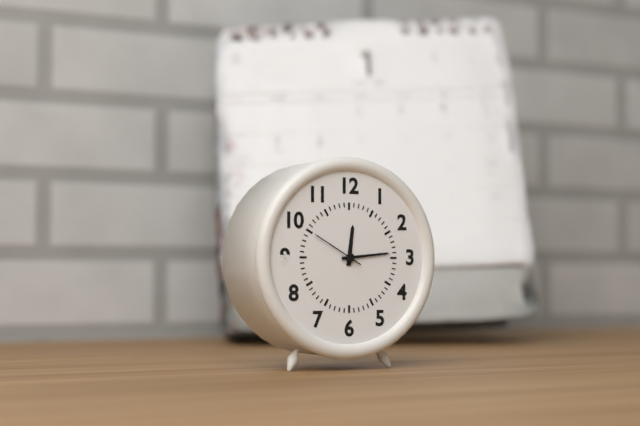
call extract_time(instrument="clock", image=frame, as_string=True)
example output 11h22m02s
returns 12h14m50s
